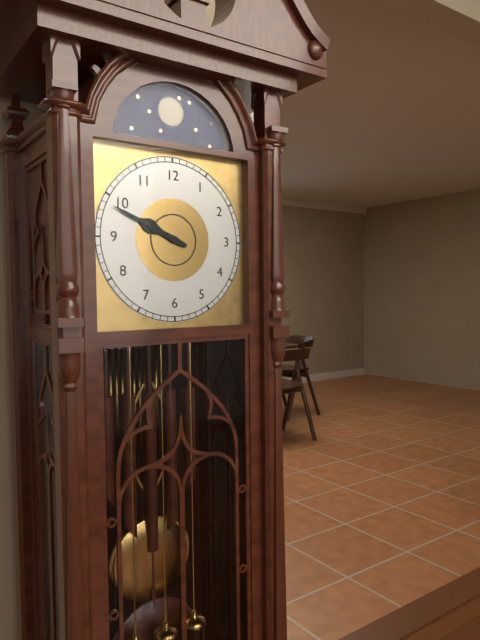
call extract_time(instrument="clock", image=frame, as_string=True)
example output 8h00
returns 9h49
